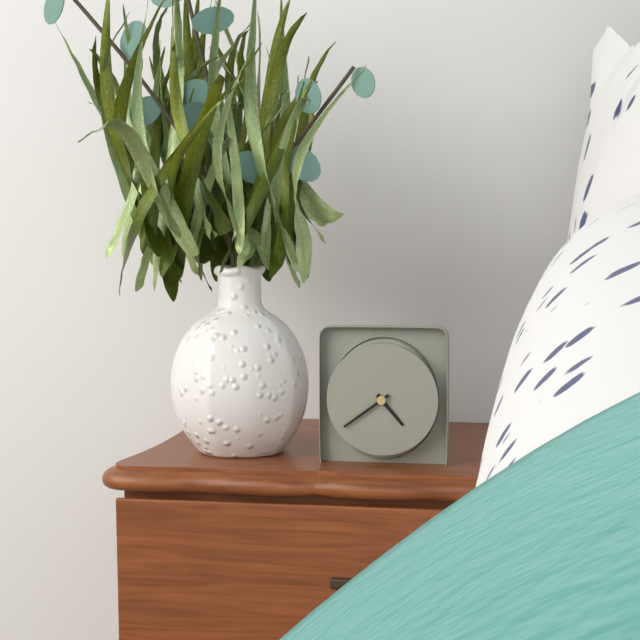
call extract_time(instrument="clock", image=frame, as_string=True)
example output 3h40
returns 4h39
